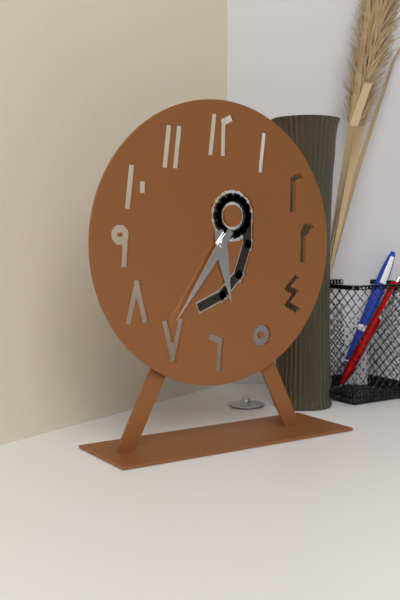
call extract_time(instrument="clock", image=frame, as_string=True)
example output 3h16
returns 5h36
